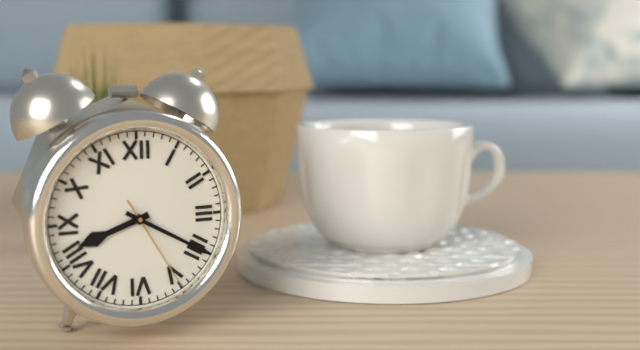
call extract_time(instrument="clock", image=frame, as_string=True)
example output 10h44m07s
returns 8h20m25s
